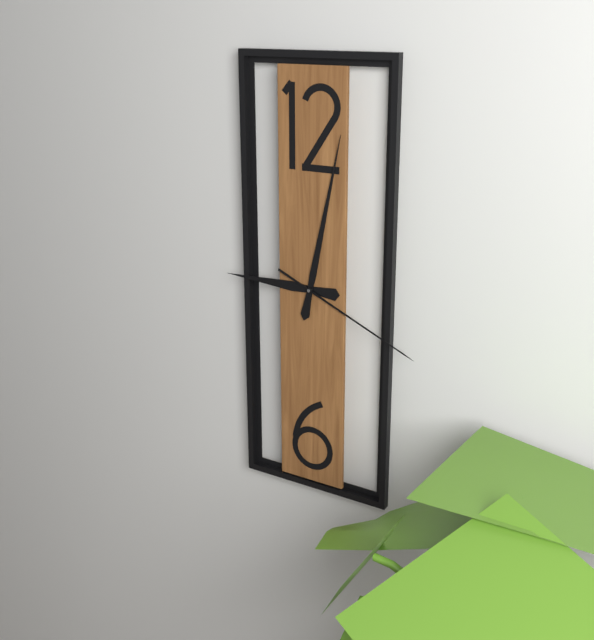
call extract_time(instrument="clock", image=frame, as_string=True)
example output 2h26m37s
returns 9h02m19s
